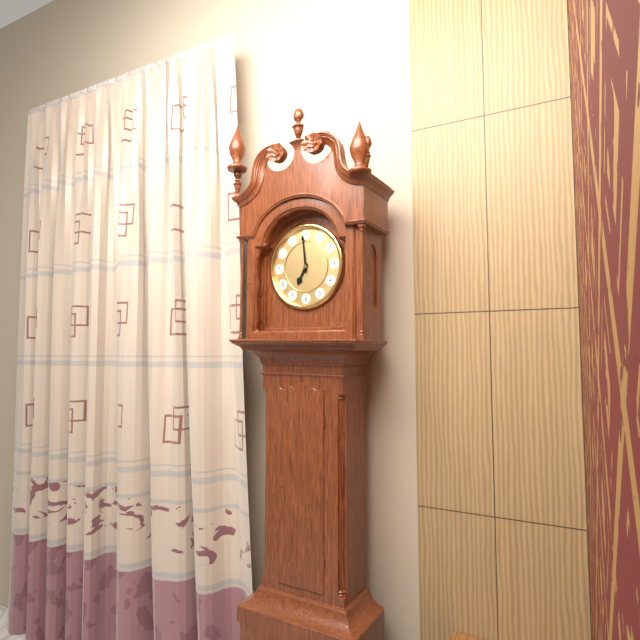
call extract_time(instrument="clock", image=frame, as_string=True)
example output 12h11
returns 6h59
